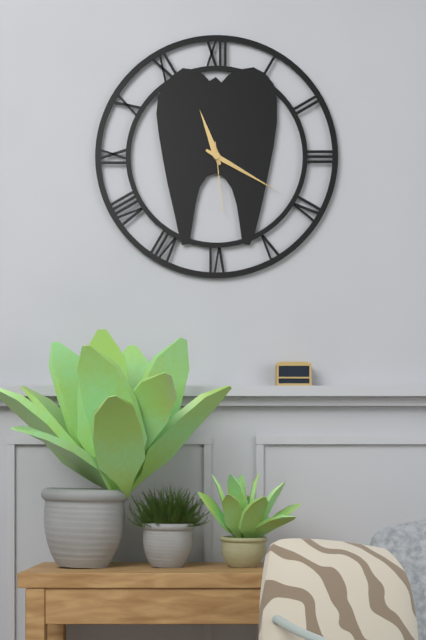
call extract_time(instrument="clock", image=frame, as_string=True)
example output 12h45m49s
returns 11h20m29s
